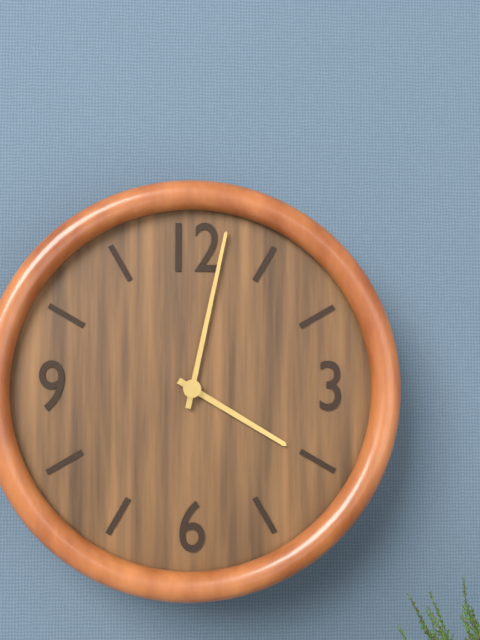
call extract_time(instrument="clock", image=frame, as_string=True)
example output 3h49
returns 4h02
